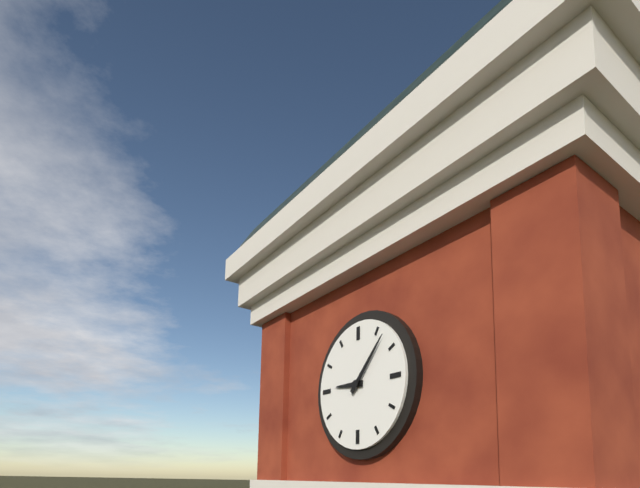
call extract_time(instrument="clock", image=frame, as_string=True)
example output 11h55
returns 9h07
